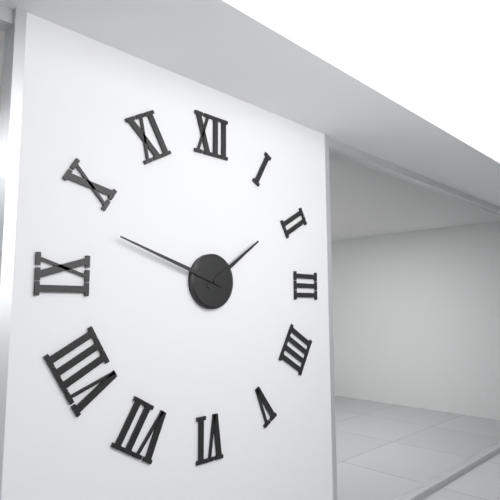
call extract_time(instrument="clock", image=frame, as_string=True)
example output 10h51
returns 1h48
